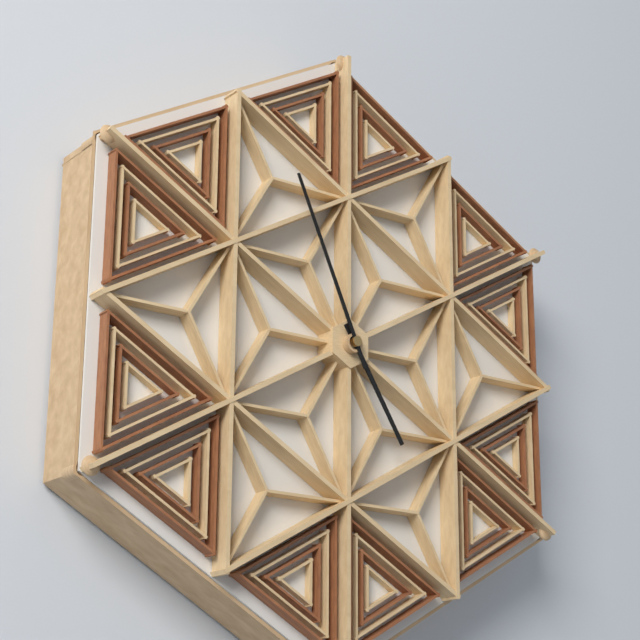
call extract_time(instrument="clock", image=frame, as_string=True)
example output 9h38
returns 4h56
